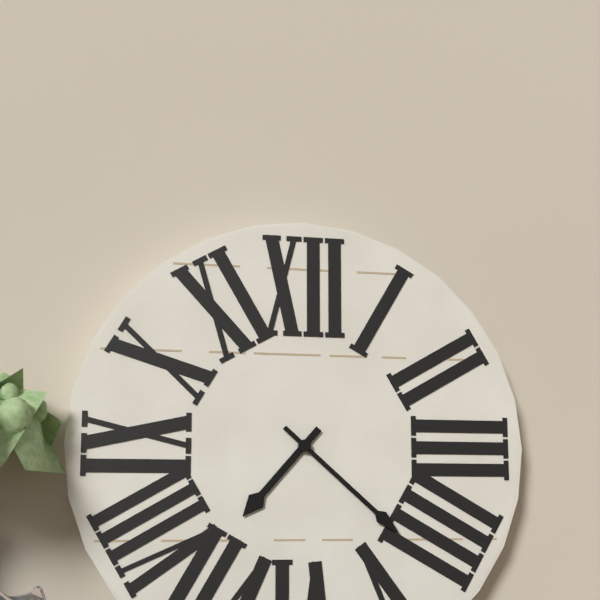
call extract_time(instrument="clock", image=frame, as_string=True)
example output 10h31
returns 7h22
